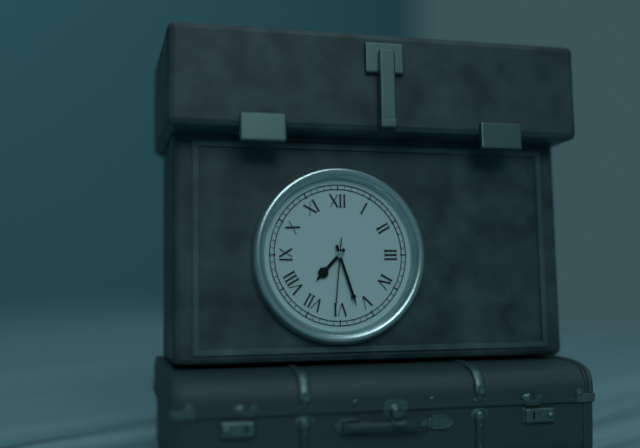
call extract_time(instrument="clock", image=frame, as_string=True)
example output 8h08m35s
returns 7h27m31s
